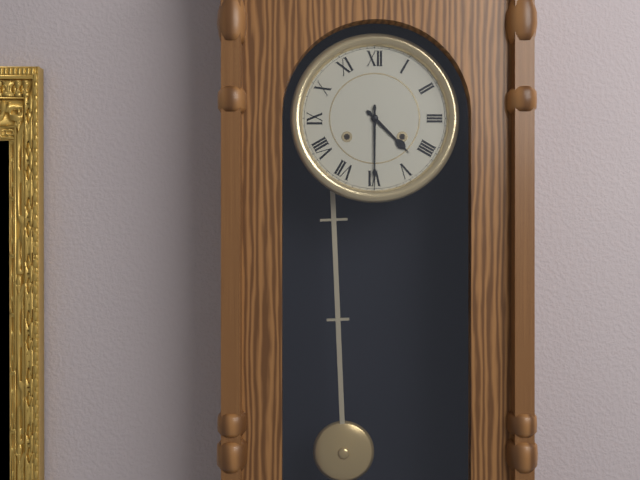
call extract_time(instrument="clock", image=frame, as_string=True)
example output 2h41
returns 4h30
